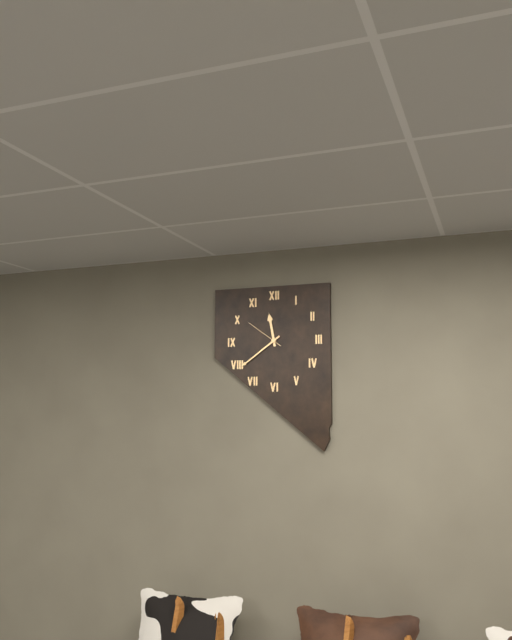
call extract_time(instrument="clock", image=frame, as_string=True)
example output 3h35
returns 11h39
